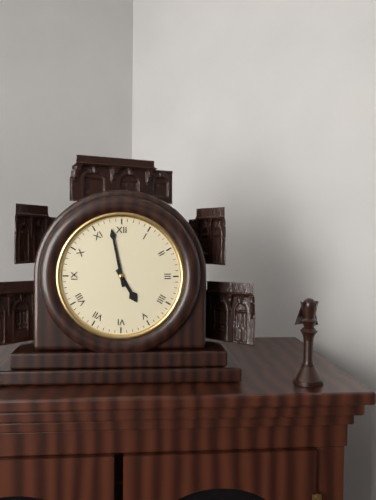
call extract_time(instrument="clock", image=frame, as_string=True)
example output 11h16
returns 4h58
